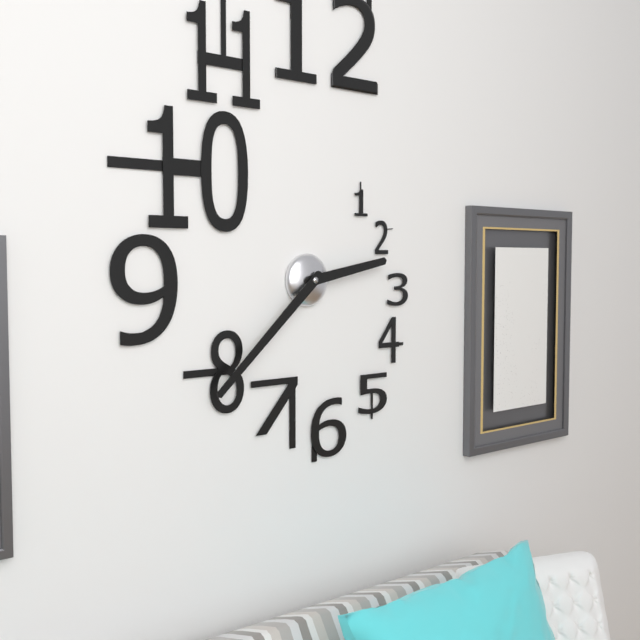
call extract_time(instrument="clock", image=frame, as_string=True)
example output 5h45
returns 2h38
